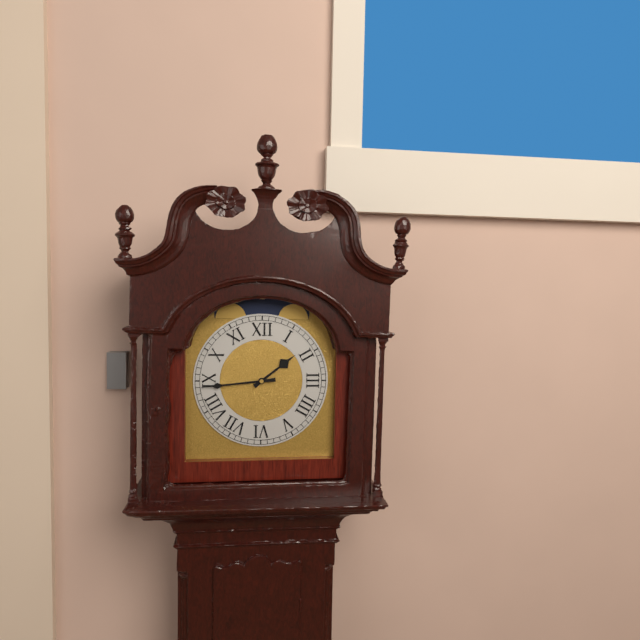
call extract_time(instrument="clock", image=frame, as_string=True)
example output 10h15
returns 1h44
